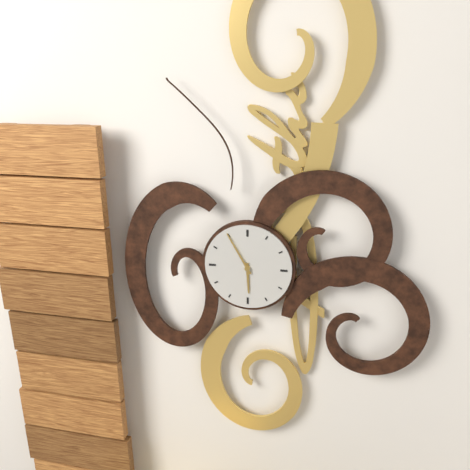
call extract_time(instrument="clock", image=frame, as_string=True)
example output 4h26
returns 5h55
